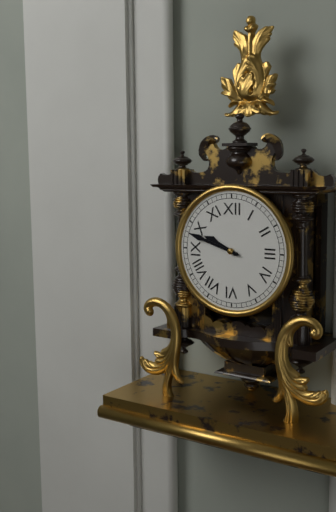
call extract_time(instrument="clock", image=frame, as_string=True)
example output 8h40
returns 9h48
